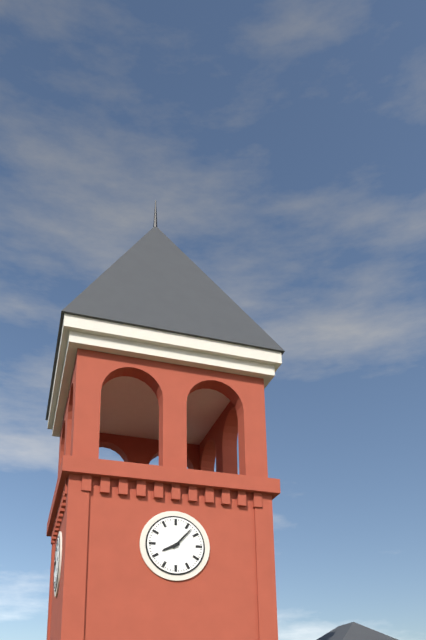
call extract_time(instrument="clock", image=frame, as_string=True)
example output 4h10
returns 8h07
